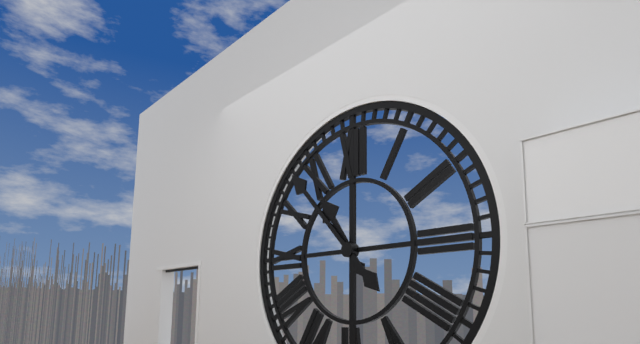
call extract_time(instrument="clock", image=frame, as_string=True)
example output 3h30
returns 10h53
